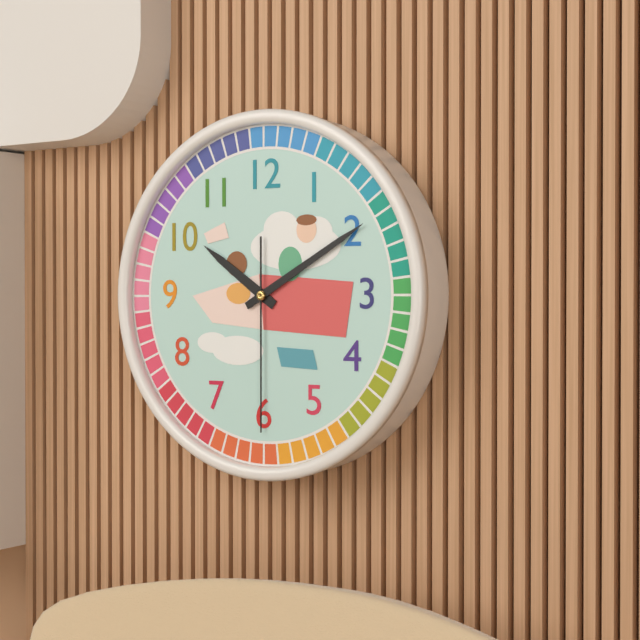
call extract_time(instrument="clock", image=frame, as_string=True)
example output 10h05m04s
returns 10h10m30s
